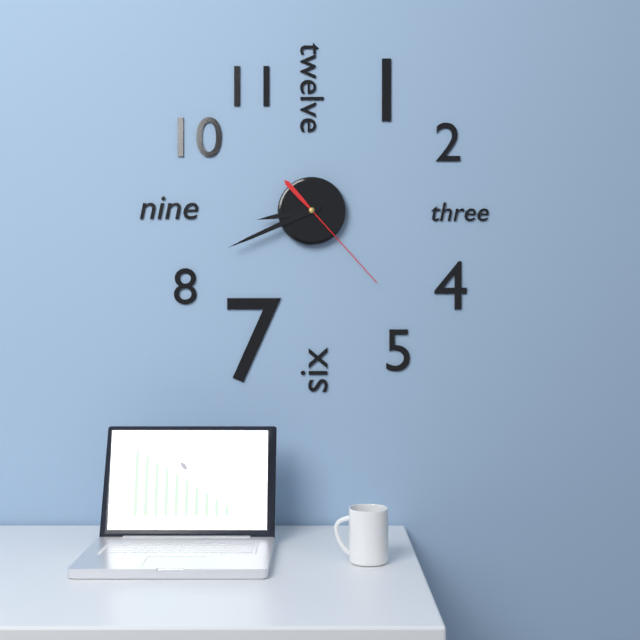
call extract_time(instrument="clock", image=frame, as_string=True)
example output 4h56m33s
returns 8h41m23s
